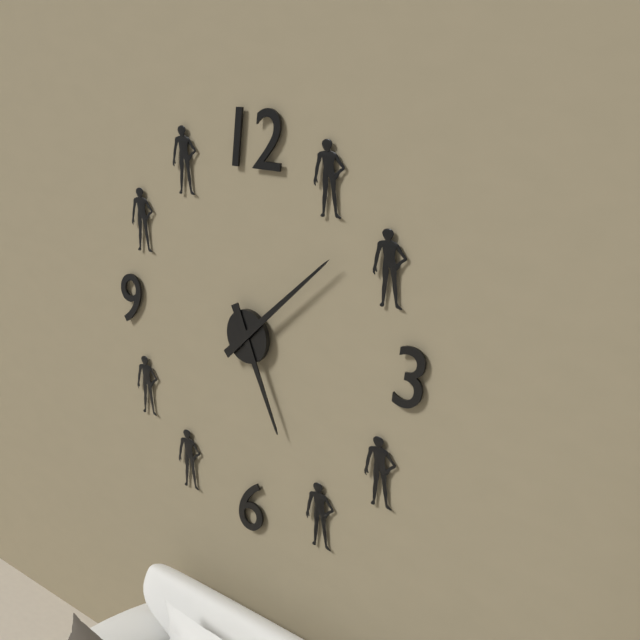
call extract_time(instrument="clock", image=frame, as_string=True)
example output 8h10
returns 5h08
